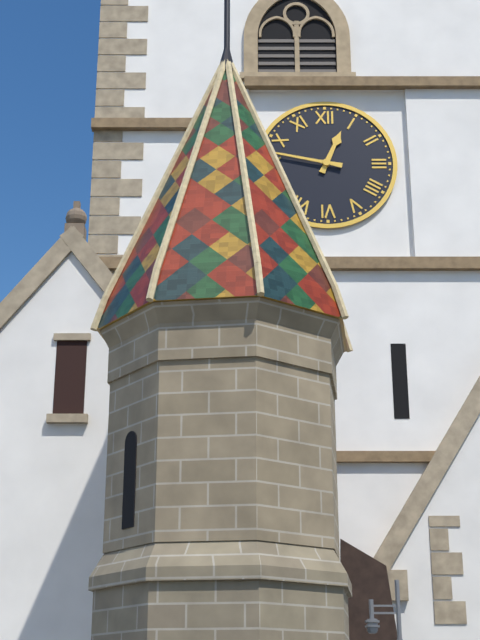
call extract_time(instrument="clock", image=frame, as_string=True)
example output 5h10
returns 12h47
